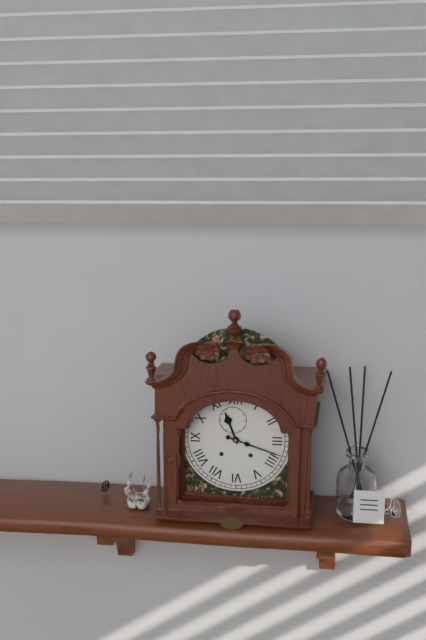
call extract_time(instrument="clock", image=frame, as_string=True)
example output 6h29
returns 11h18
